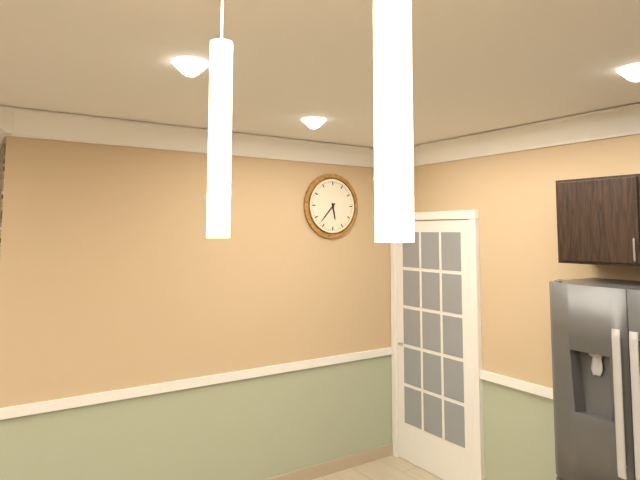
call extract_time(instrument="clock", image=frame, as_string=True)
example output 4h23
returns 5h37
